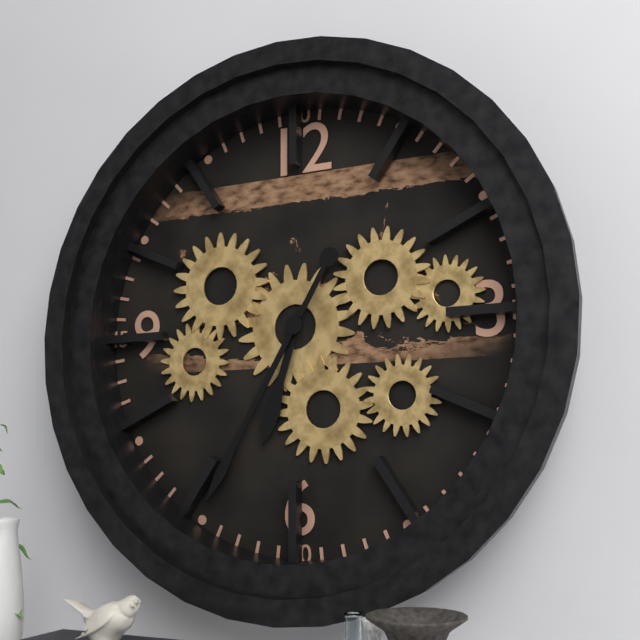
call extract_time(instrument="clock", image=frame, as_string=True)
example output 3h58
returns 6h35
